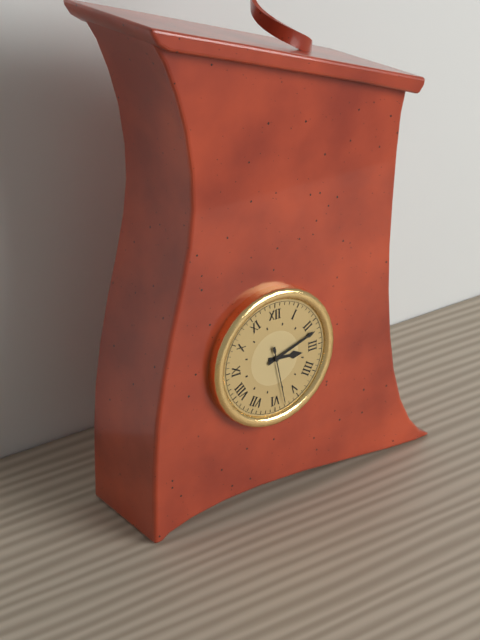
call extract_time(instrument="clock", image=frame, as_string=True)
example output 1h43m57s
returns 3h12m28s
